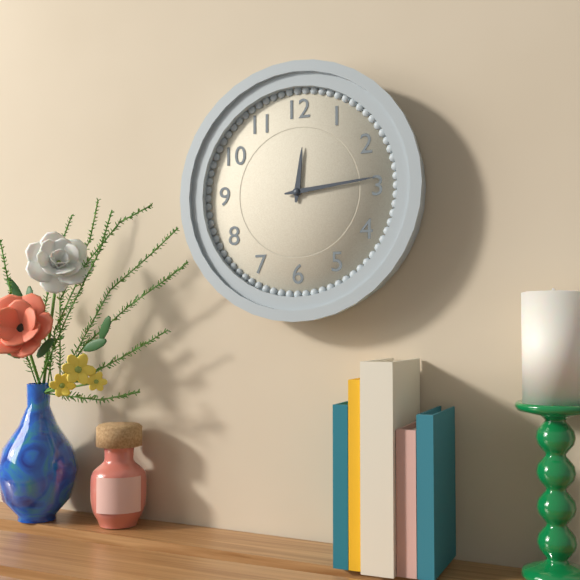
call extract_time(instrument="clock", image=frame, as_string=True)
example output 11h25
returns 12h14
